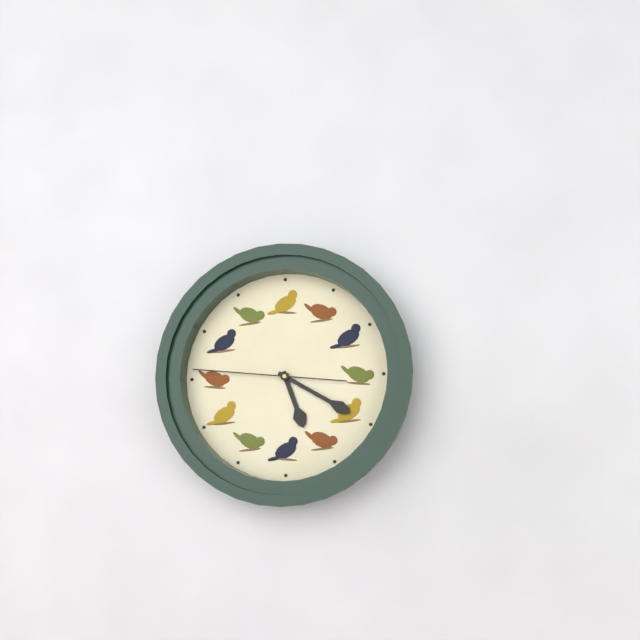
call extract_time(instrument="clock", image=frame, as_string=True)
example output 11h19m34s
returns 5h20m46s
